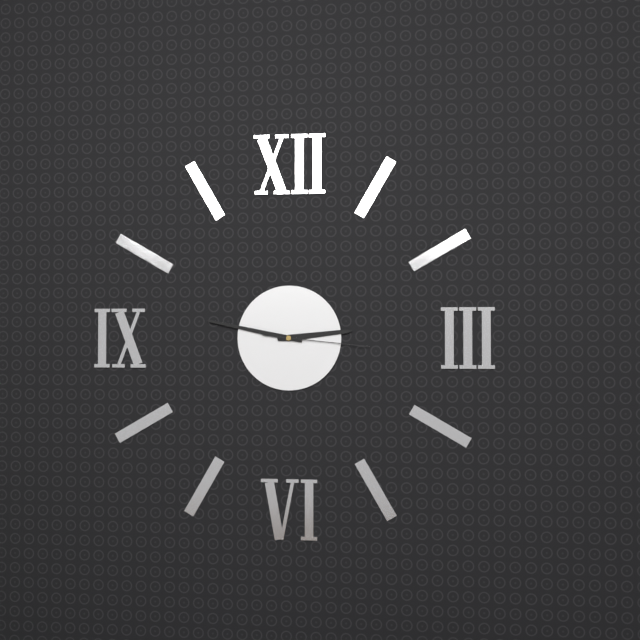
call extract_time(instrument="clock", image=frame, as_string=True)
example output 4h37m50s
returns 2h47m16s
